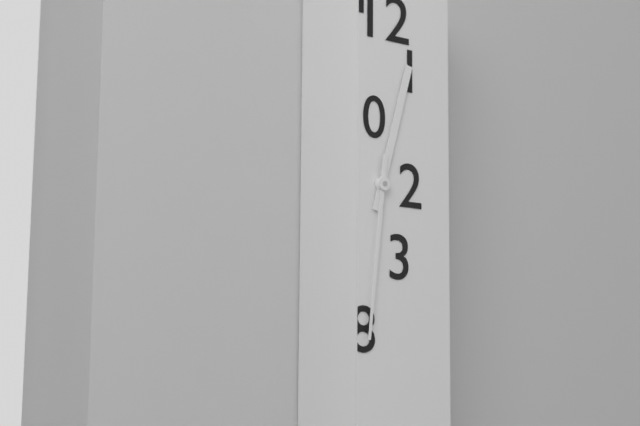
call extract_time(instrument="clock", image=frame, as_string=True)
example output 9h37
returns 12h31
